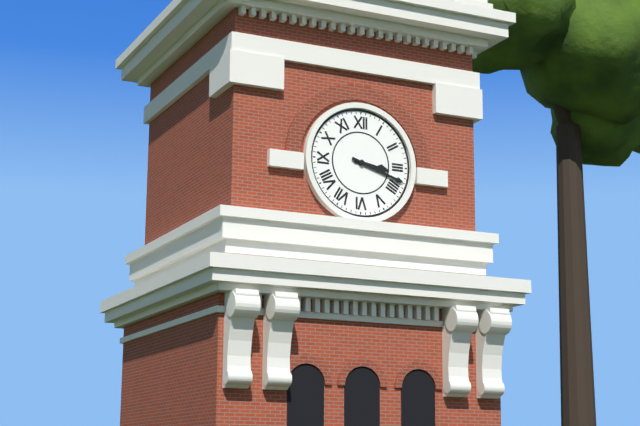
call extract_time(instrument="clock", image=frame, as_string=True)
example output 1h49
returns 3h18
